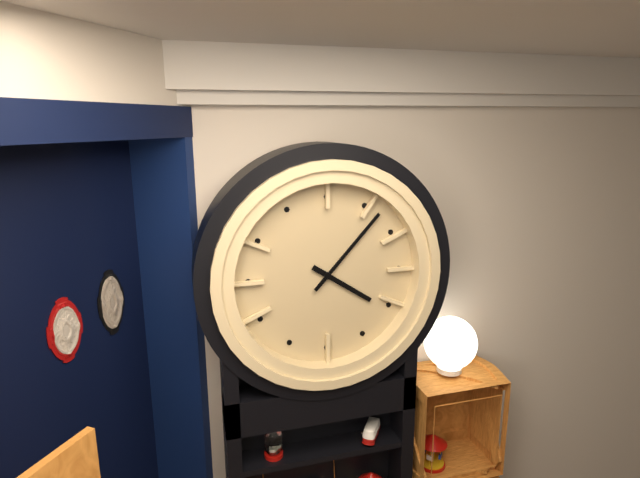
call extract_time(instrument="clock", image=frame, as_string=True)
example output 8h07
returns 4h07
